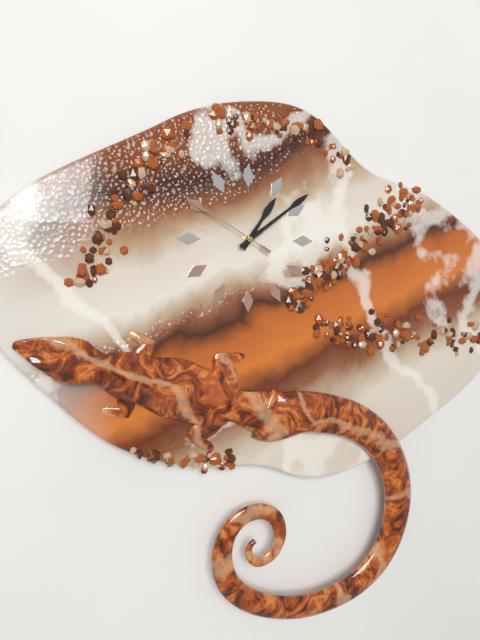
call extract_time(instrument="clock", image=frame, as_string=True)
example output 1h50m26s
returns 1h09m50s
